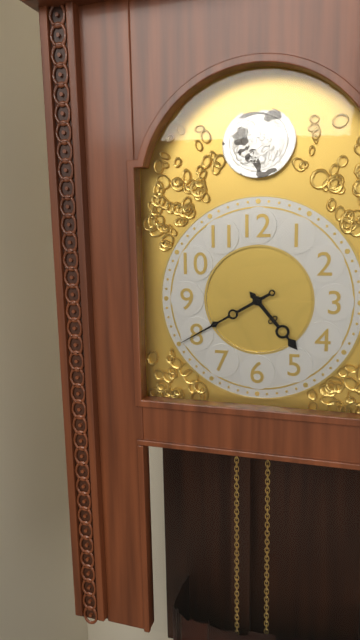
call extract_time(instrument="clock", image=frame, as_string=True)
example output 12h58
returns 4h40
